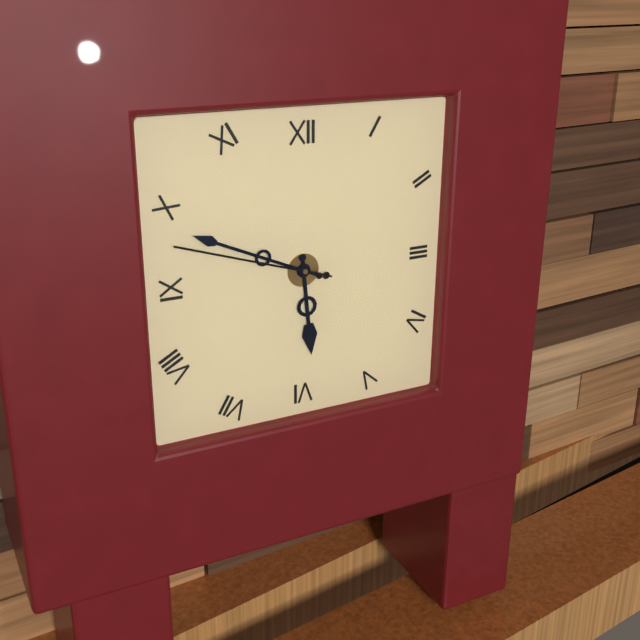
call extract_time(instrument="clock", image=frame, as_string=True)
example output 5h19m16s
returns 5h49m48s
